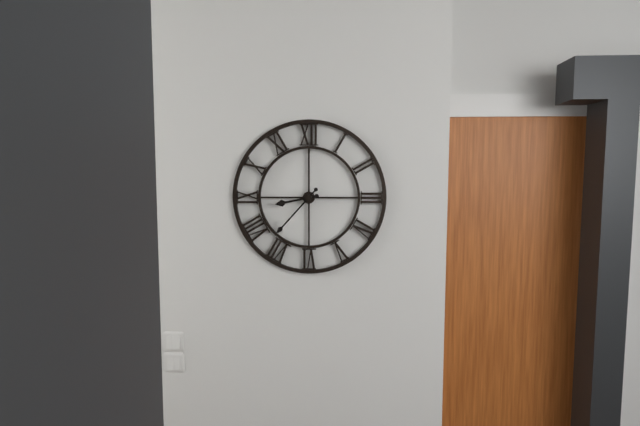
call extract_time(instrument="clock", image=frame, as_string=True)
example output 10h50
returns 8h37
